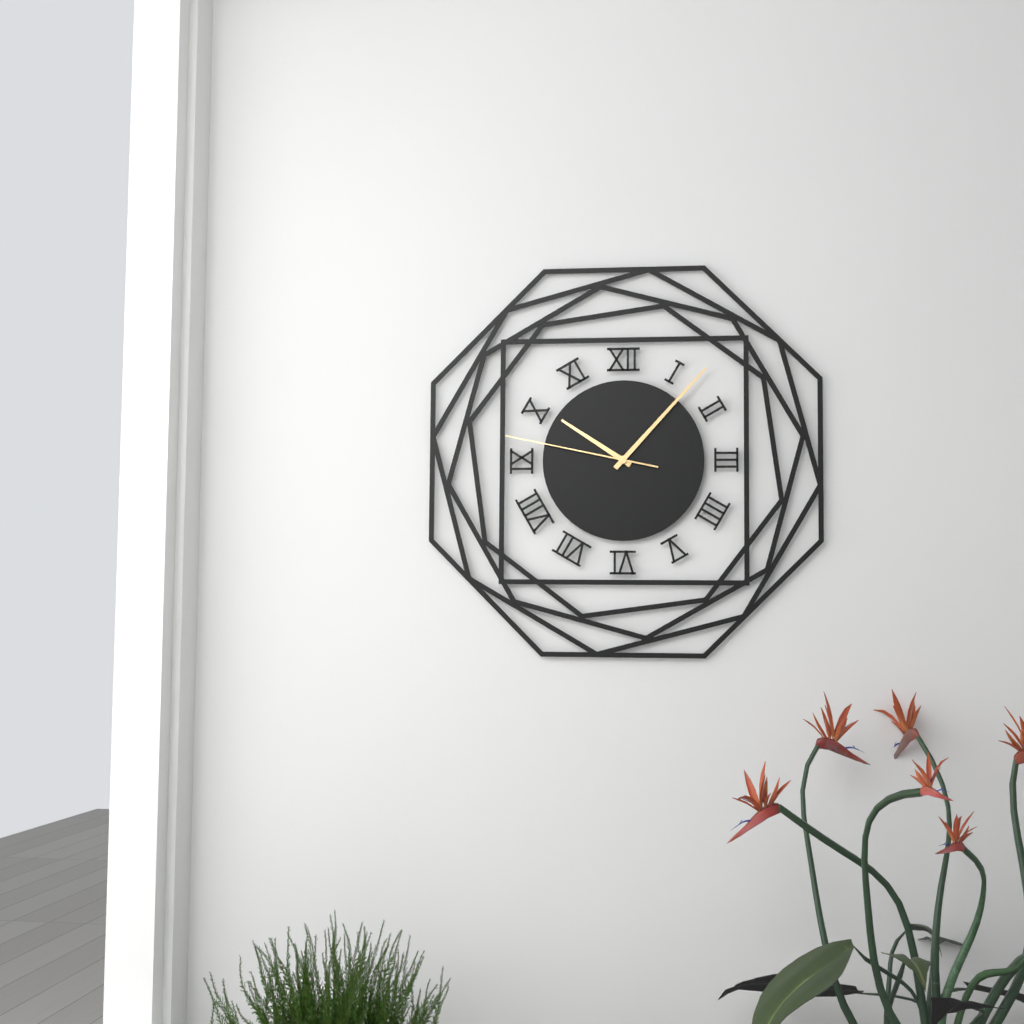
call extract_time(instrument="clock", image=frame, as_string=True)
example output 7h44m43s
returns 10h07m47s
